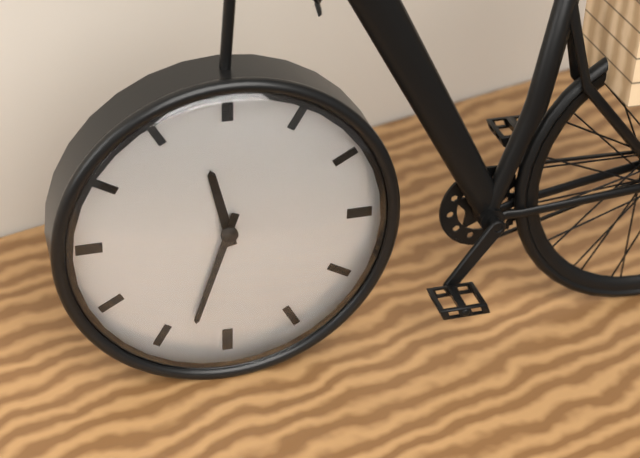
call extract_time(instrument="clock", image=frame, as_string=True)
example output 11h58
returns 11h33
